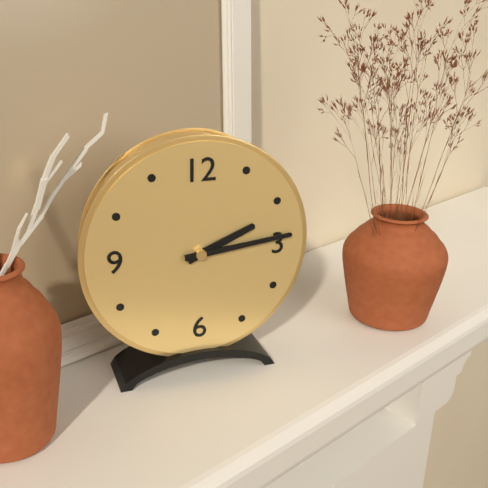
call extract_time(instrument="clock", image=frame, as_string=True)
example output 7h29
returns 2h14
